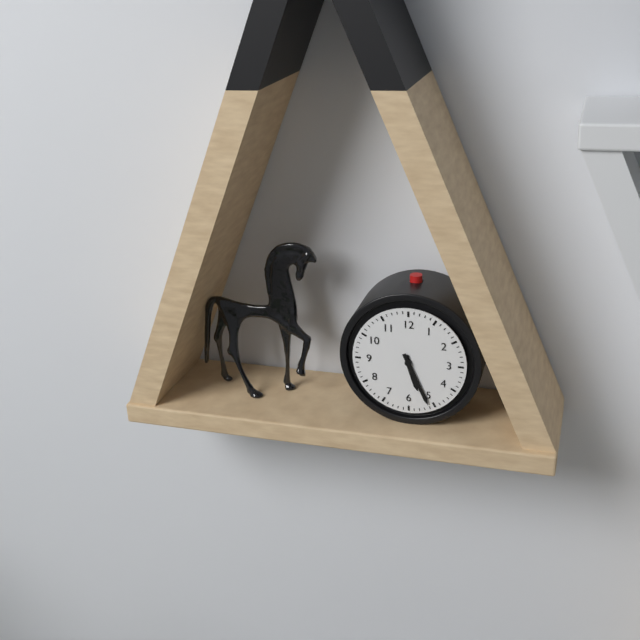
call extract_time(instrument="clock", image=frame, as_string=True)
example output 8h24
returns 5h26
